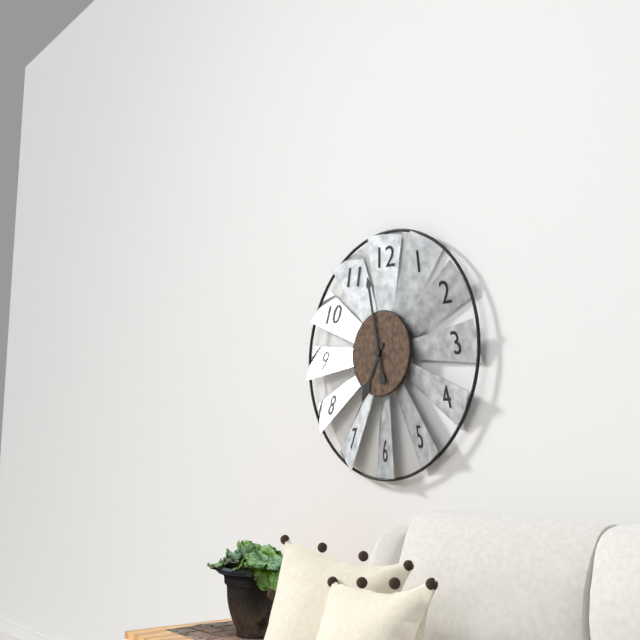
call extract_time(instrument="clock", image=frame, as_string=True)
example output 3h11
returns 6h58
